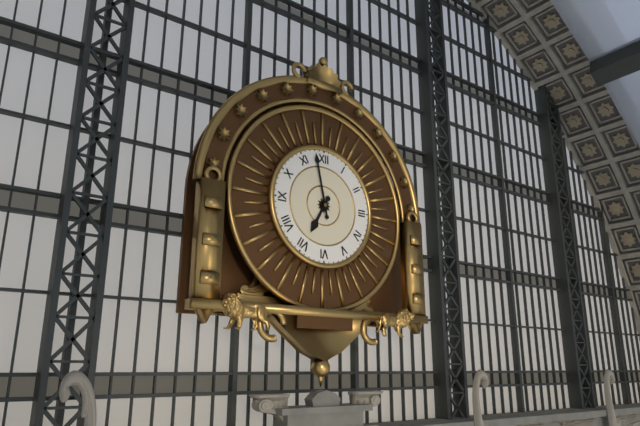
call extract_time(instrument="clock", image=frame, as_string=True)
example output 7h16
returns 6h58
